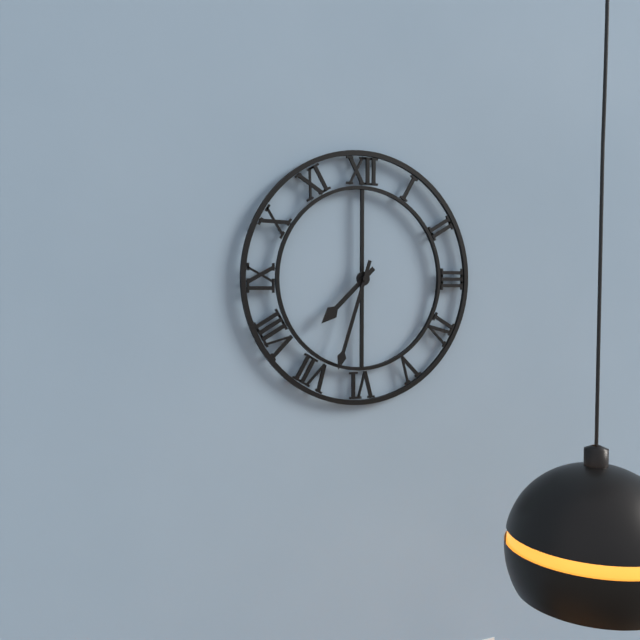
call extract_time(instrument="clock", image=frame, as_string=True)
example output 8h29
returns 7h33
